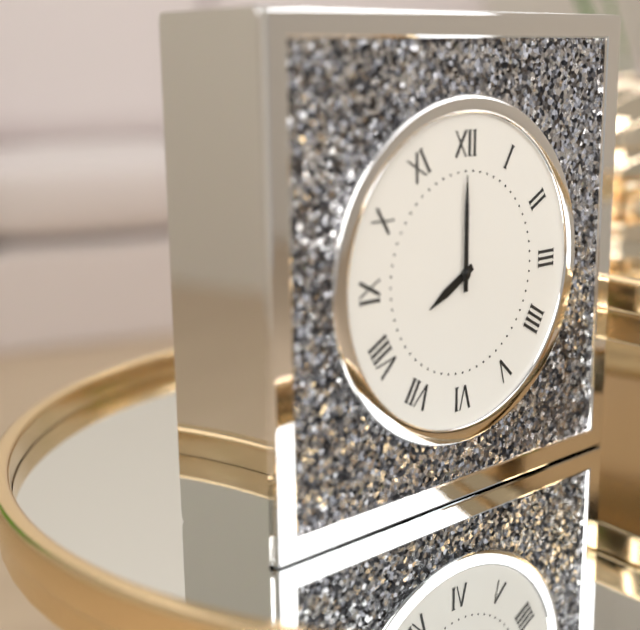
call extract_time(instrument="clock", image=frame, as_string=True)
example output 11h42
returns 8h00
